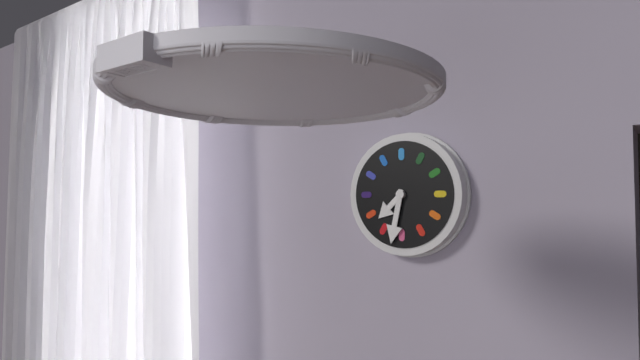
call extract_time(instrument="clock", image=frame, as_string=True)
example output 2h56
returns 7h32
